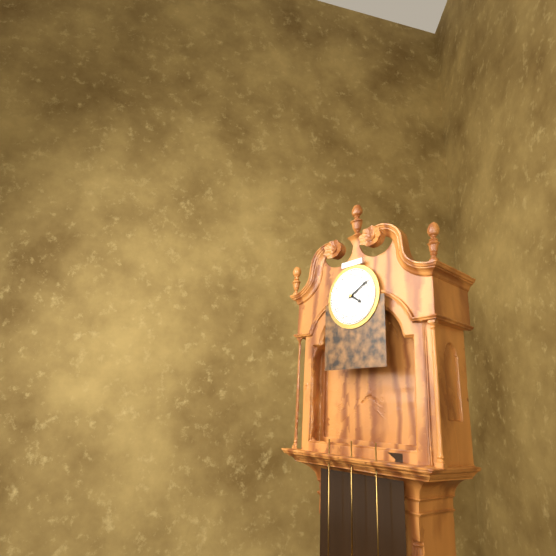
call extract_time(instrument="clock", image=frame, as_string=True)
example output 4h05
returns 4h10
